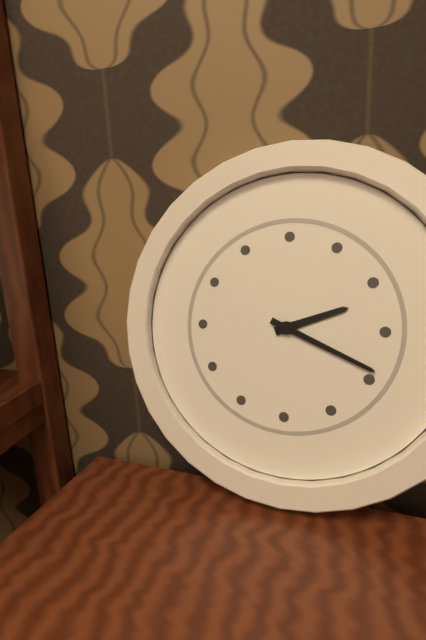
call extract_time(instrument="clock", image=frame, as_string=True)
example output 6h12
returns 2h19
